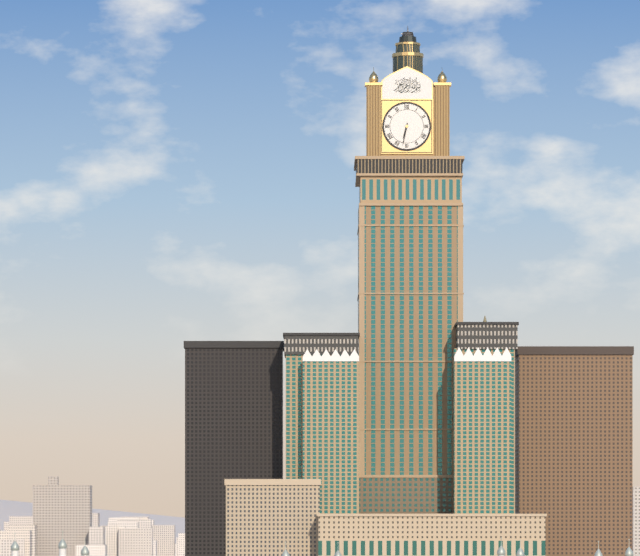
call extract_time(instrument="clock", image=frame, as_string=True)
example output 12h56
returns 6h32
